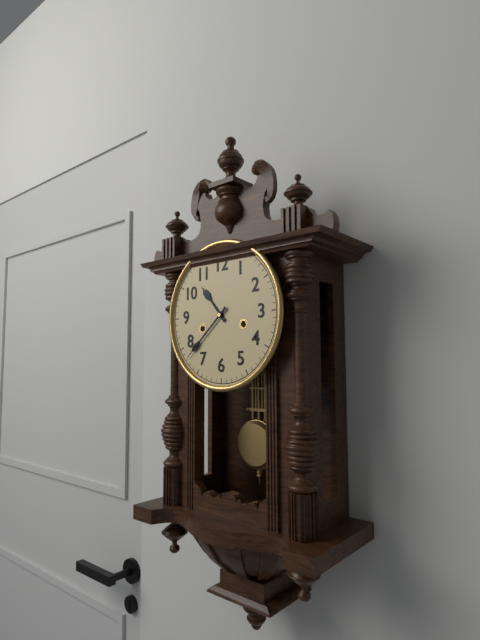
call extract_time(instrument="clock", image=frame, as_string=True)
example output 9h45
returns 10h38
